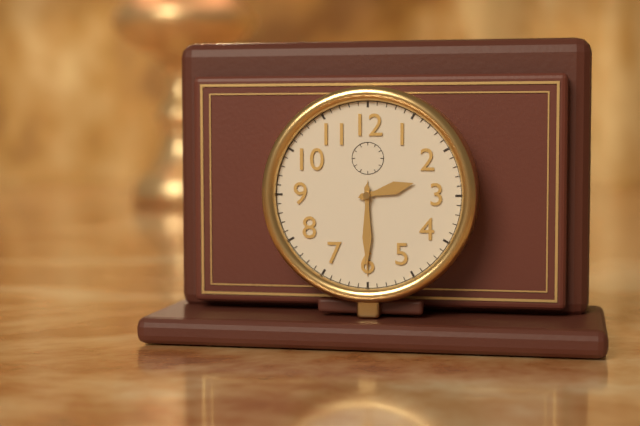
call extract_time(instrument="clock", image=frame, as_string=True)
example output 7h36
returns 2h30
